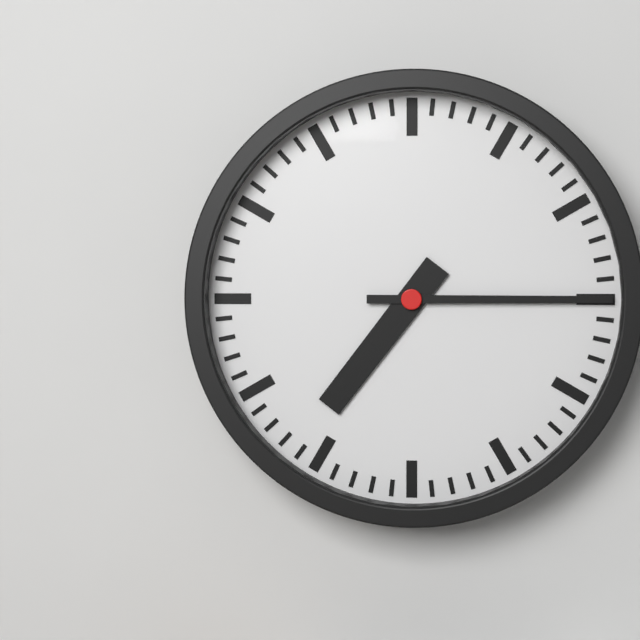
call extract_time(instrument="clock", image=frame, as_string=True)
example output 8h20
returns 7h15
